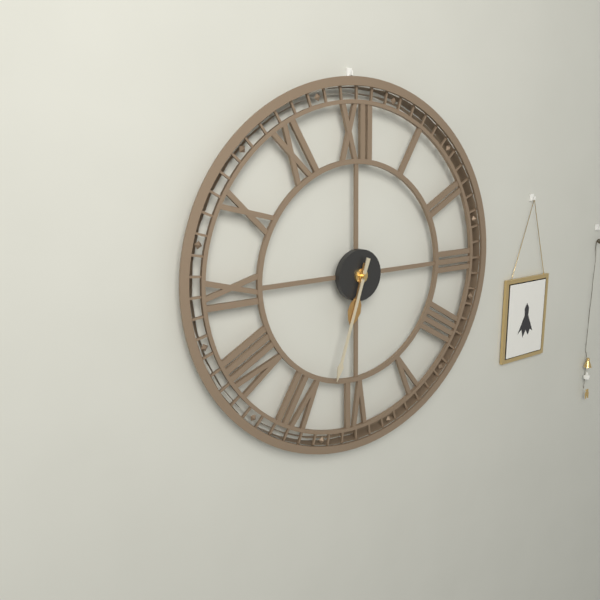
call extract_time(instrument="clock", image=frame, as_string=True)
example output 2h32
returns 6h33
